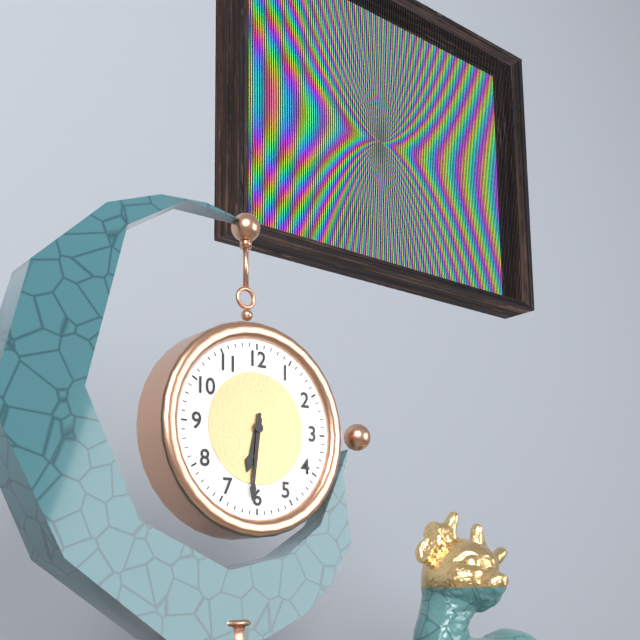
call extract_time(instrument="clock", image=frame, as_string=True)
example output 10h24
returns 6h31
